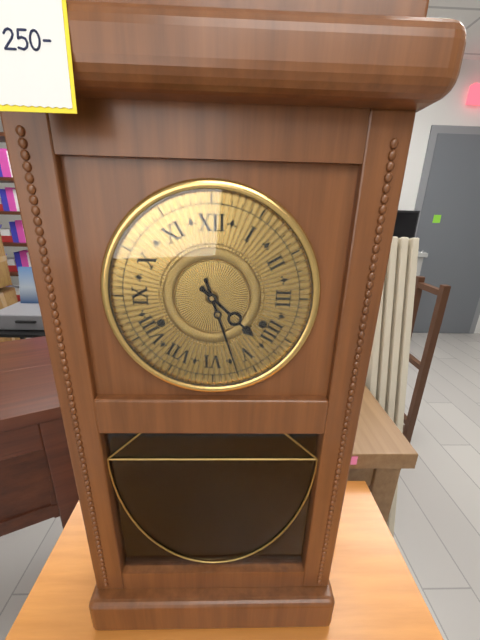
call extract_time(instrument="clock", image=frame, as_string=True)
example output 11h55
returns 4h27
